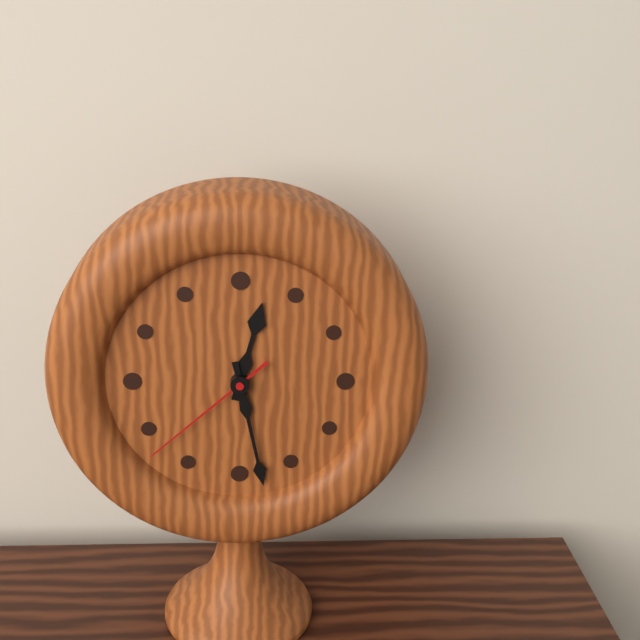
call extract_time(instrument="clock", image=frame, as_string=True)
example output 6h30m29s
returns 12h28m38s
